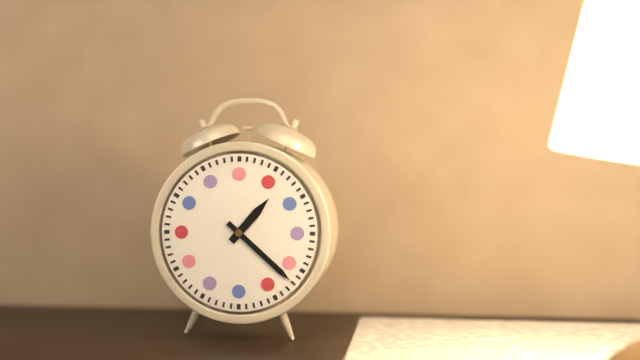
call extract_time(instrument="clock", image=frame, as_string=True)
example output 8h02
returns 1h22
